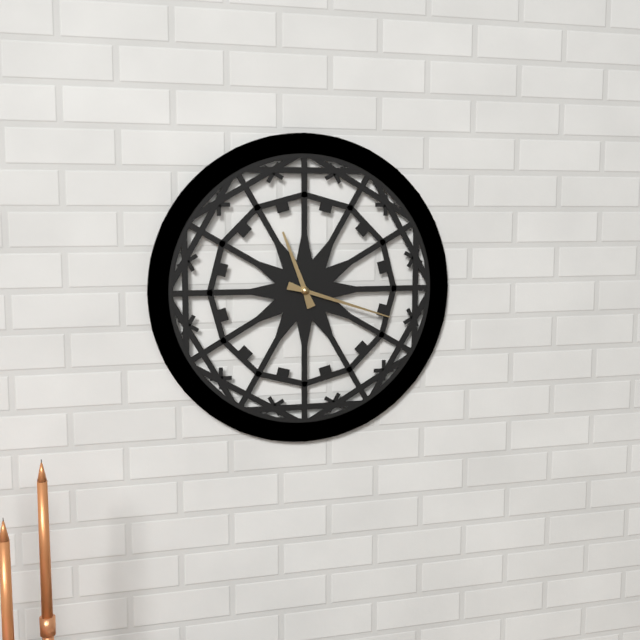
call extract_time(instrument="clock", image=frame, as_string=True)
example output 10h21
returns 11h18
